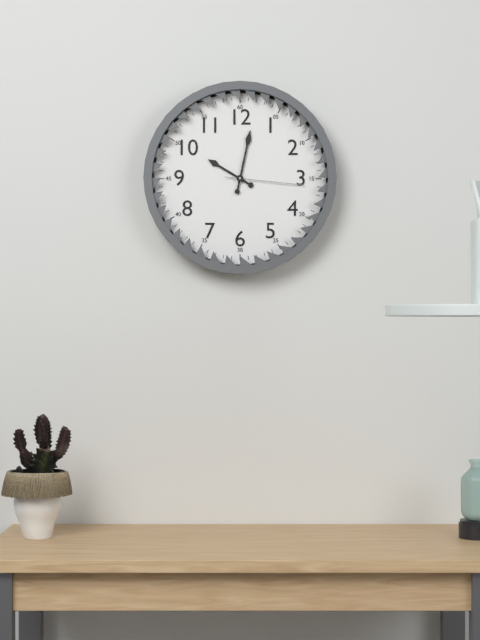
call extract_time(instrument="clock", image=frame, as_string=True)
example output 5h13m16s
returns 10h02m16s
